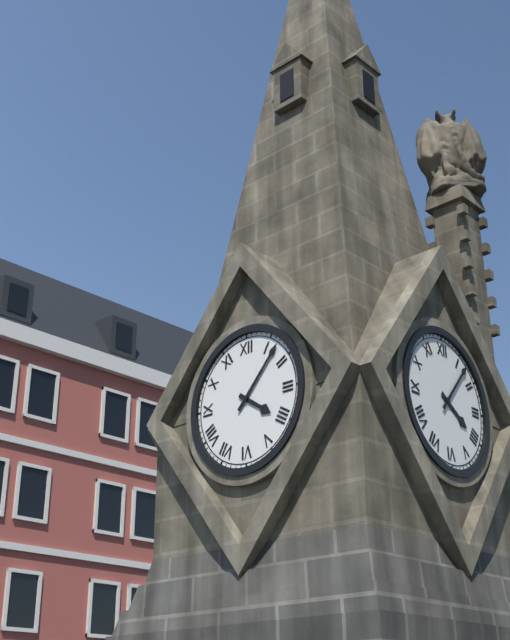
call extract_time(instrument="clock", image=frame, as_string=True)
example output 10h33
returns 4h07
